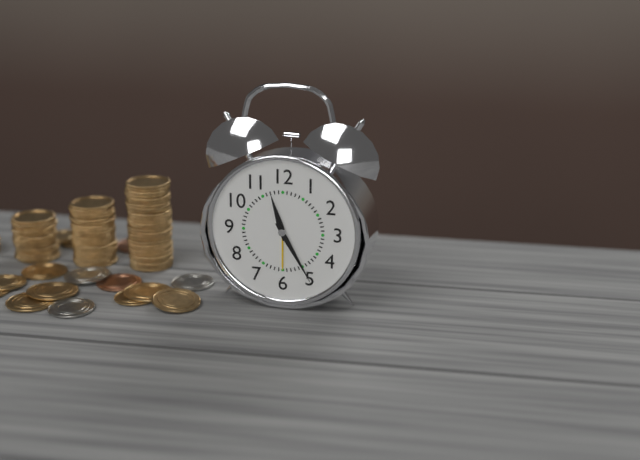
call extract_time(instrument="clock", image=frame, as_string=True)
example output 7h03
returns 11h25
